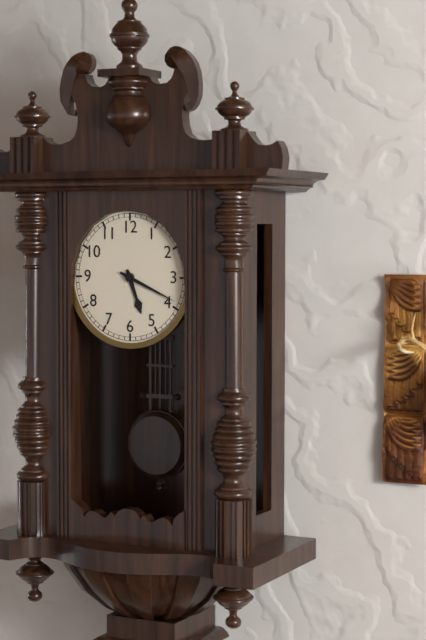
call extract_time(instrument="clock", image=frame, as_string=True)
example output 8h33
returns 5h19
